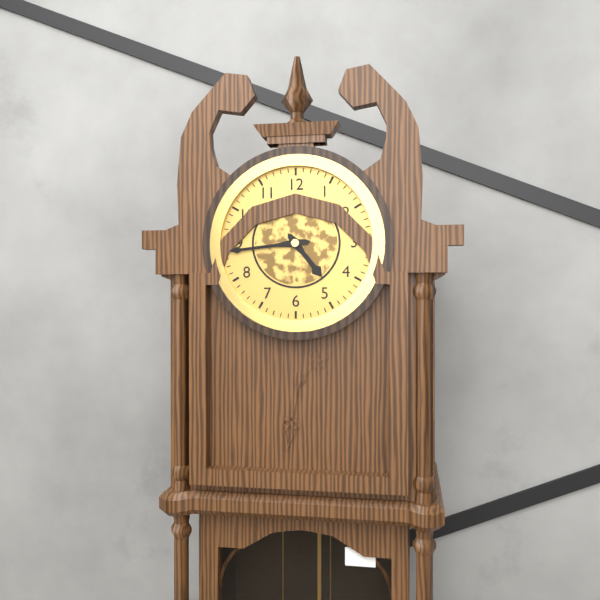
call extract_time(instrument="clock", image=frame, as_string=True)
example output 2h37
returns 4h44
